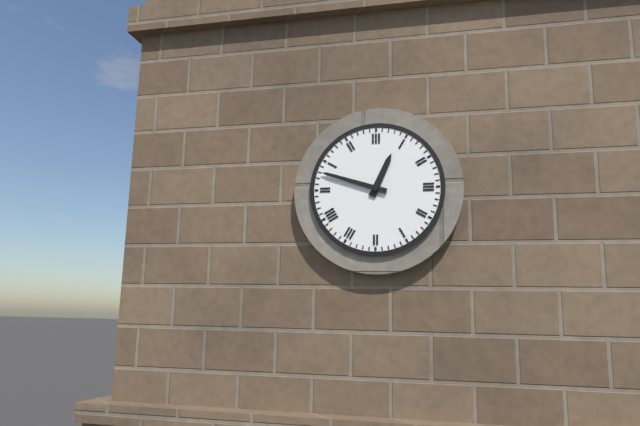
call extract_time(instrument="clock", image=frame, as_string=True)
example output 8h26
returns 12h48
